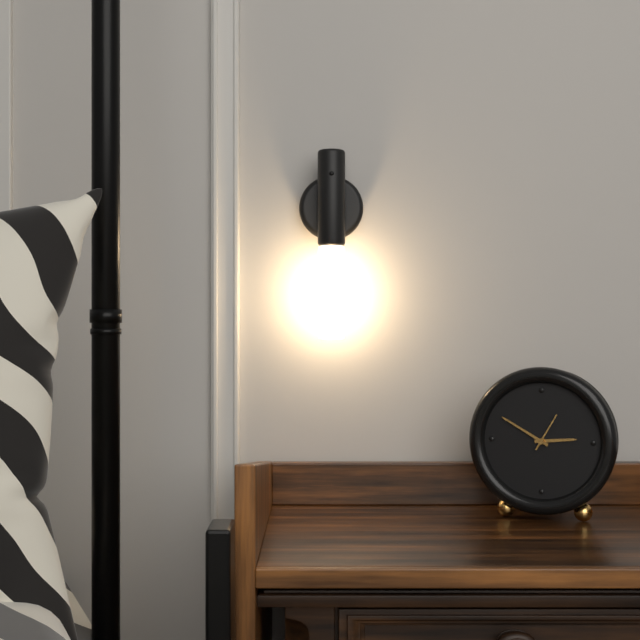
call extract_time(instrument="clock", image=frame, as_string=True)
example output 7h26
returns 2h50
